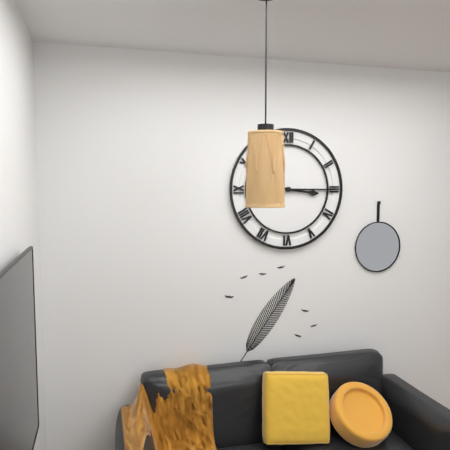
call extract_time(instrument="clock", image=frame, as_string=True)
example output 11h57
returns 3h15
